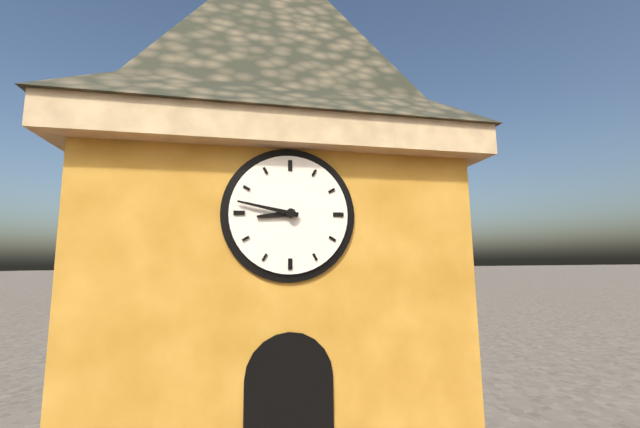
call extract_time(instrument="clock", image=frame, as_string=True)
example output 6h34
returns 8h47
